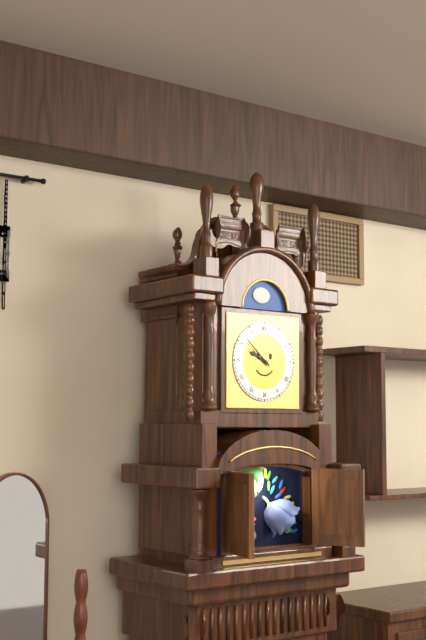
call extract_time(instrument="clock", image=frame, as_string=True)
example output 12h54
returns 9h52
